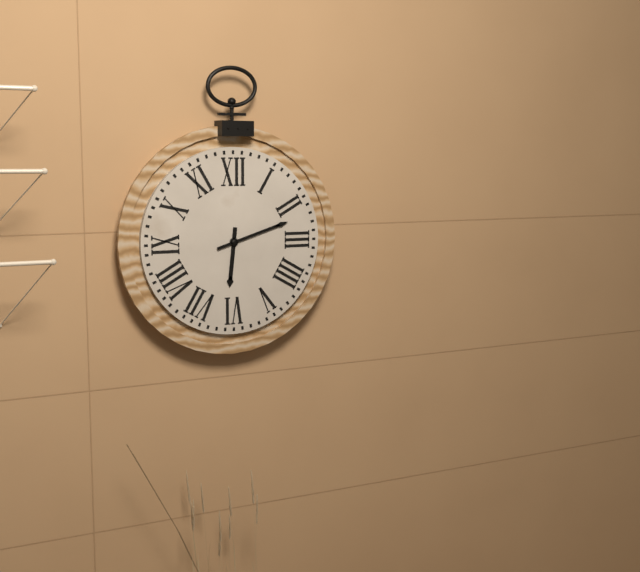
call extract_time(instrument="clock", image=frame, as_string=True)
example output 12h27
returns 6h12
